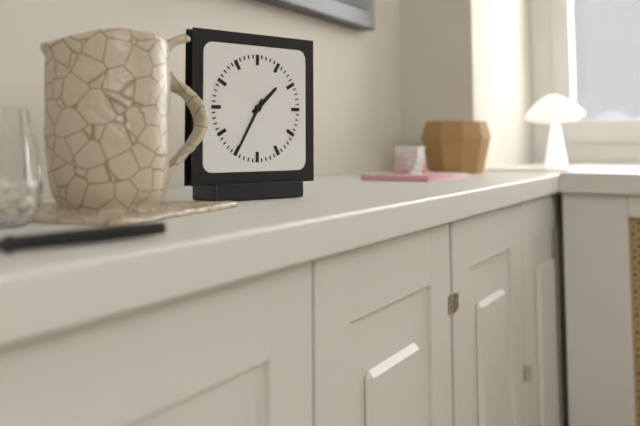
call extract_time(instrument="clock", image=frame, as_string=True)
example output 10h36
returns 1h35
